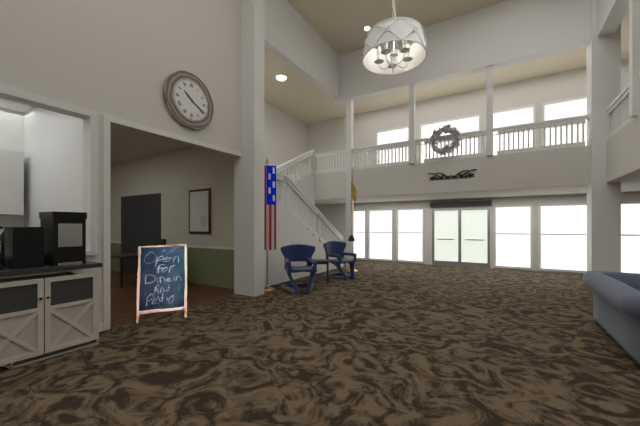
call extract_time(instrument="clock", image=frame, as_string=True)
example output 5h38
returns 10h20
